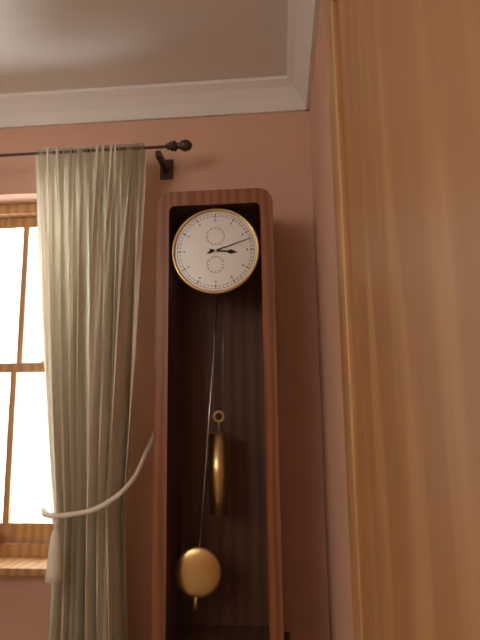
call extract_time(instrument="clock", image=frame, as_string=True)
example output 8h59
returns 3h12
